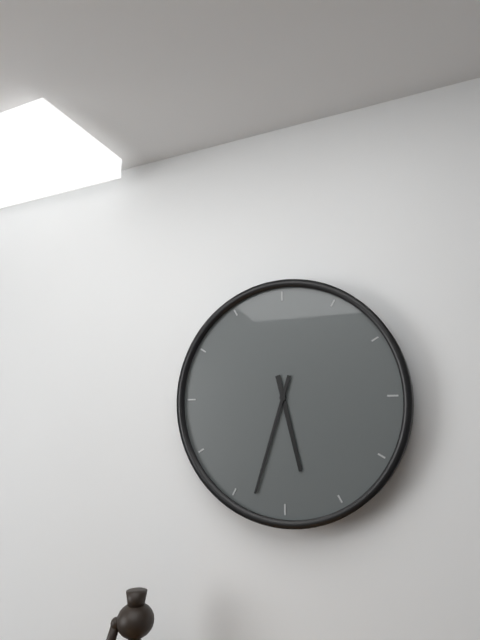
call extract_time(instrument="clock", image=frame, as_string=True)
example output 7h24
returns 5h33
